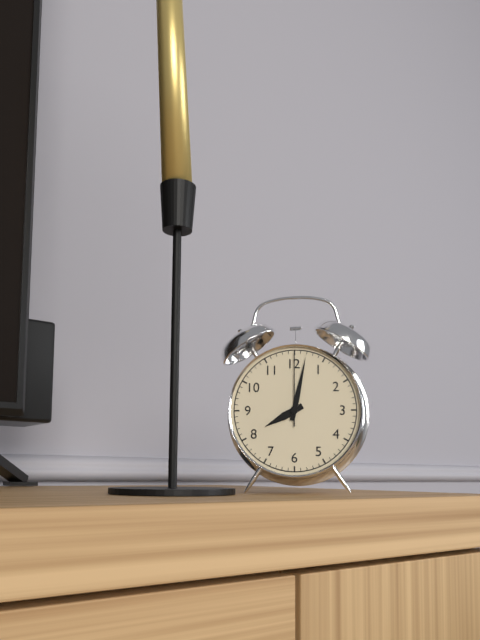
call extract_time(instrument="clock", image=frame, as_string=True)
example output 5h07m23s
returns 8h02m00s
